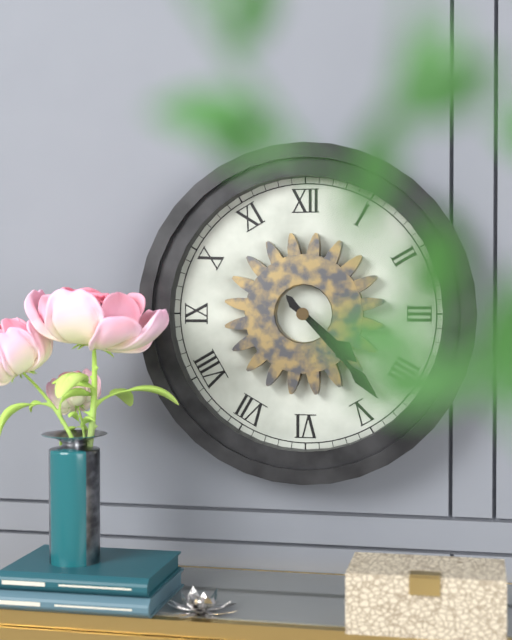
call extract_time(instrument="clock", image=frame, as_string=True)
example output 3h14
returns 4h23
